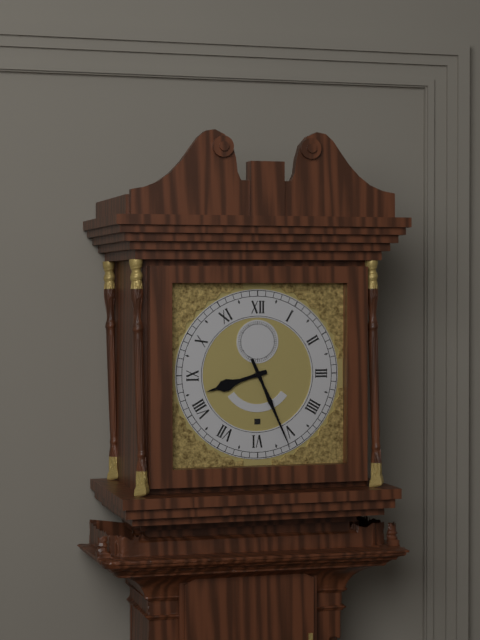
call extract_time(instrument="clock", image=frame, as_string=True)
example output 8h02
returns 8h26
